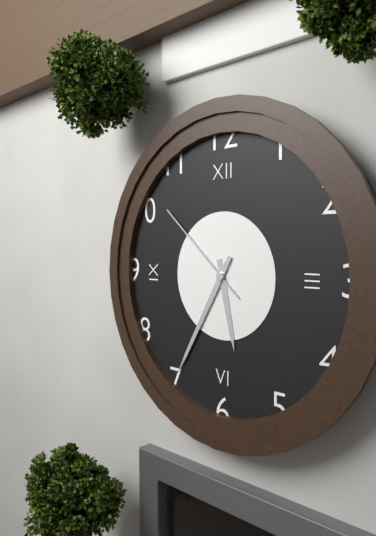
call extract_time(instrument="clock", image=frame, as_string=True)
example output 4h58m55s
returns 5h35m52s
